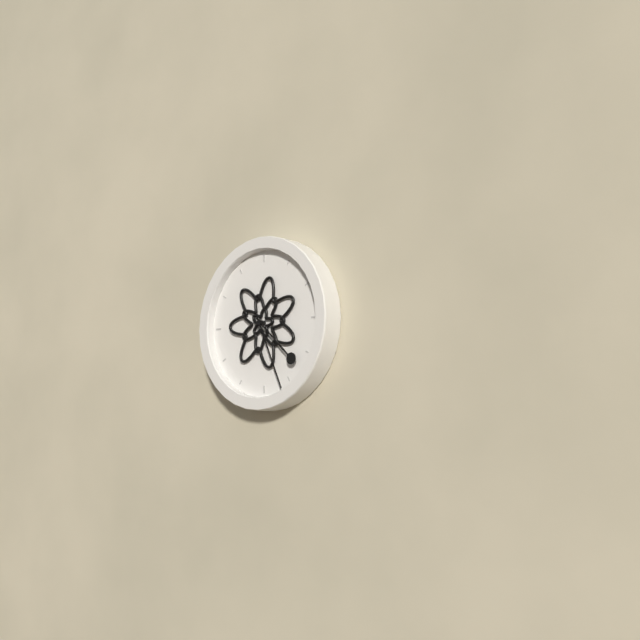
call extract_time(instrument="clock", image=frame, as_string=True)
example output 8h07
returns 4h26
